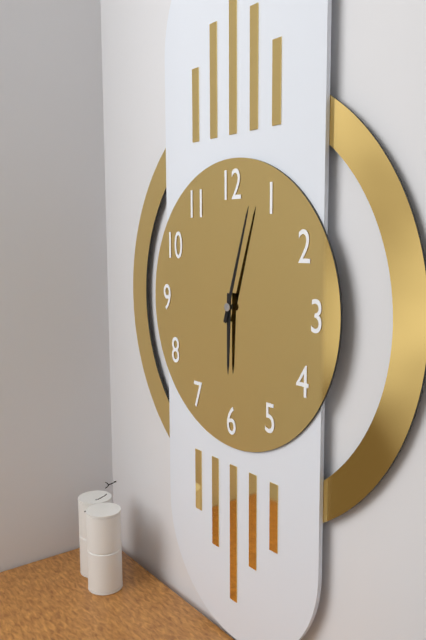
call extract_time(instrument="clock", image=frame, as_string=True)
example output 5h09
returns 6h03
